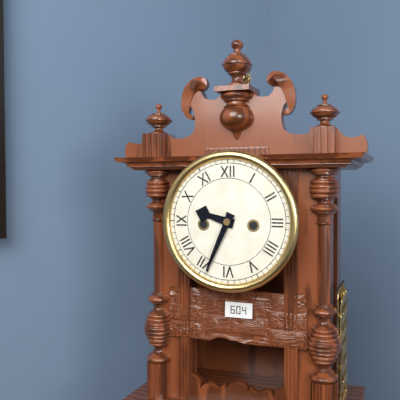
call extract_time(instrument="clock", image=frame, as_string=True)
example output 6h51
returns 9h34
